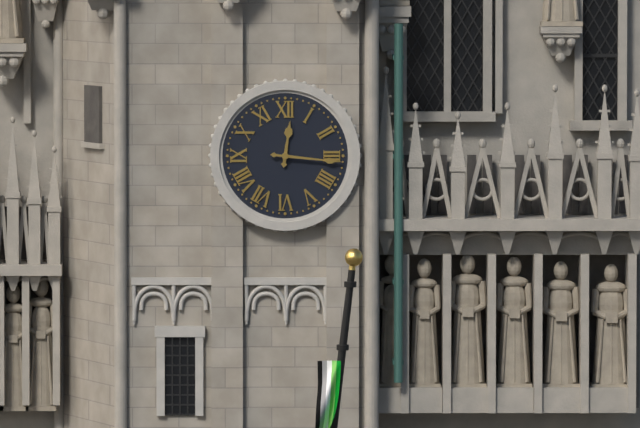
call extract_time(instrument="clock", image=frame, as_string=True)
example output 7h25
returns 12h16
